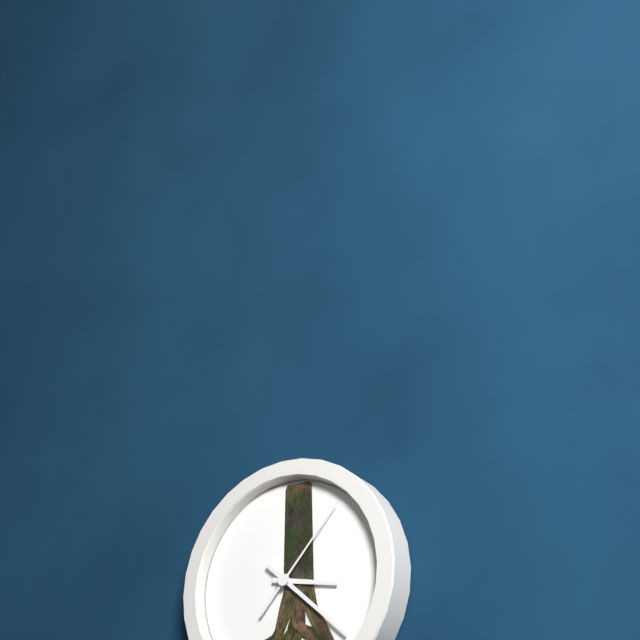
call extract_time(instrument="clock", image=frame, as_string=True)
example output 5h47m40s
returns 3h22m07s
